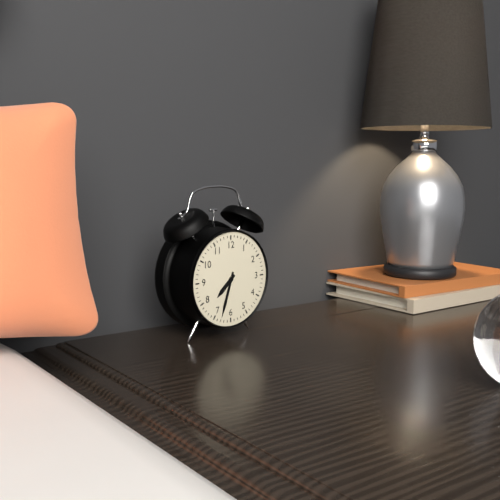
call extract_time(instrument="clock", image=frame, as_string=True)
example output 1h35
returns 7h33
